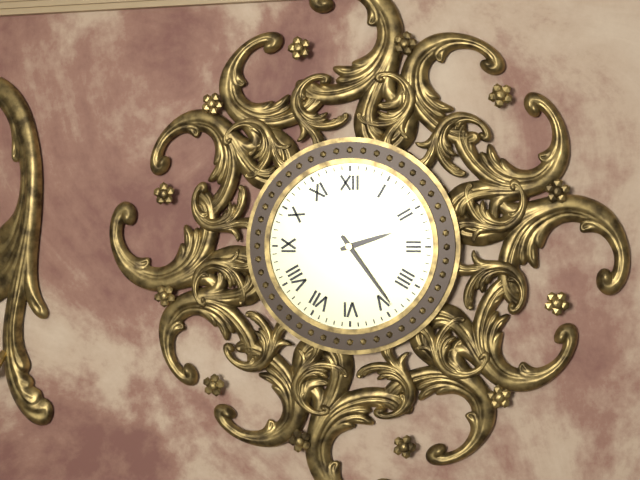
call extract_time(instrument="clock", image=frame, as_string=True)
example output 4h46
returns 2h24
